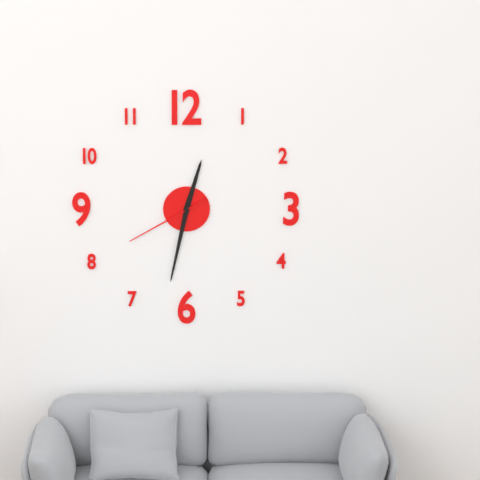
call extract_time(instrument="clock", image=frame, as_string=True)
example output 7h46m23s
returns 12h32m40s
